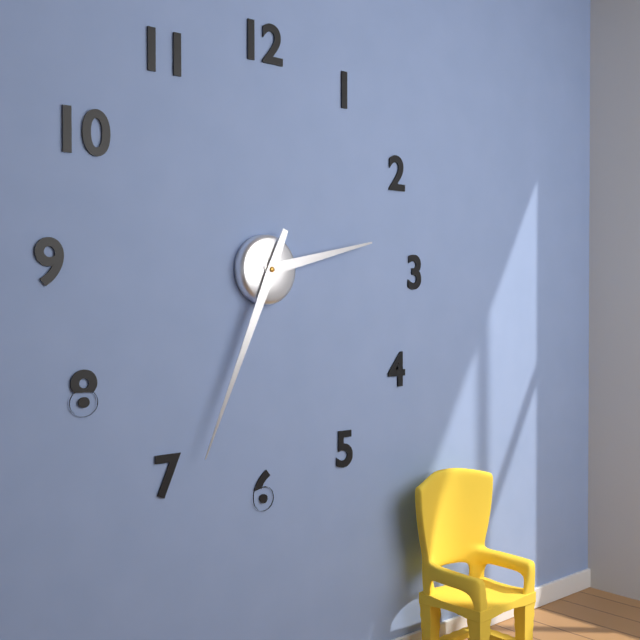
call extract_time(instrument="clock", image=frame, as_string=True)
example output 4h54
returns 2h34
